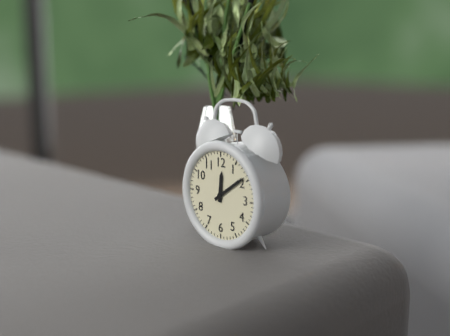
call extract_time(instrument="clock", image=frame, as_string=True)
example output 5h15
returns 12h09
